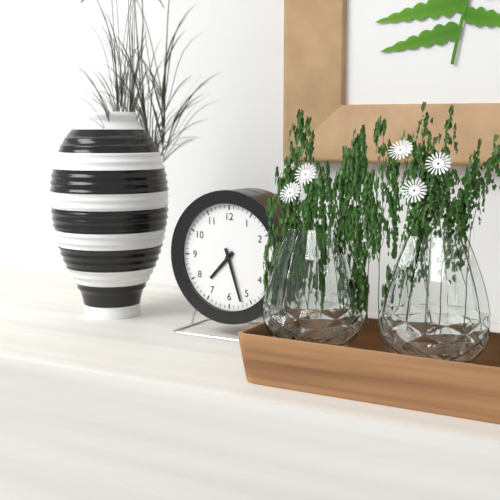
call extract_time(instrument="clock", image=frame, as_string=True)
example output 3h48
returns 7h27
